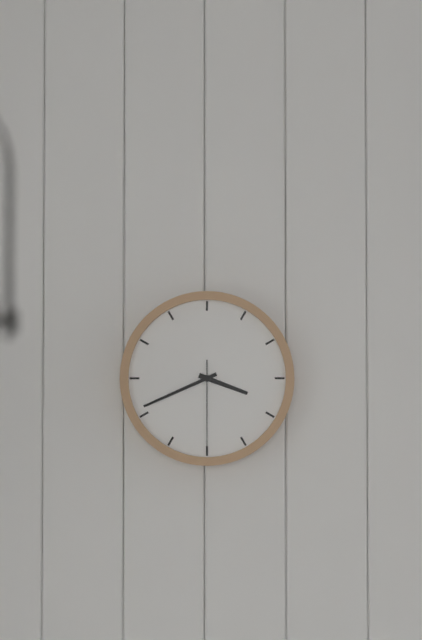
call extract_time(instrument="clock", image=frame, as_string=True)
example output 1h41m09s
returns 3h41m30s
